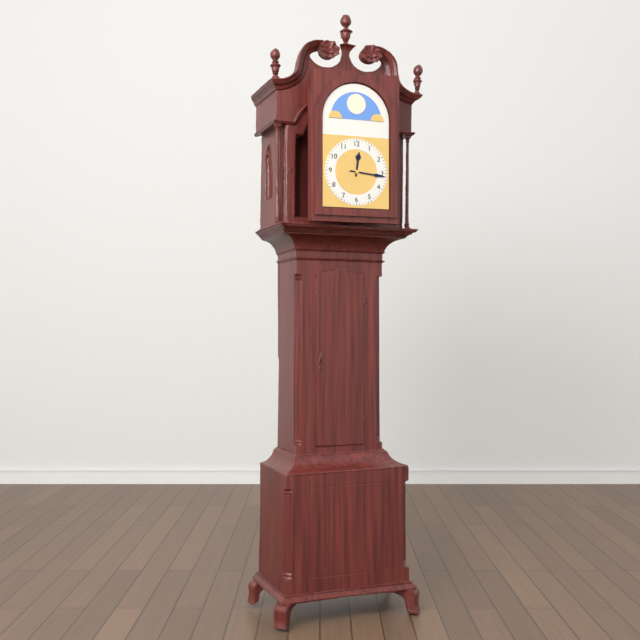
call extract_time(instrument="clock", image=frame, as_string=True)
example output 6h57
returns 12h16
